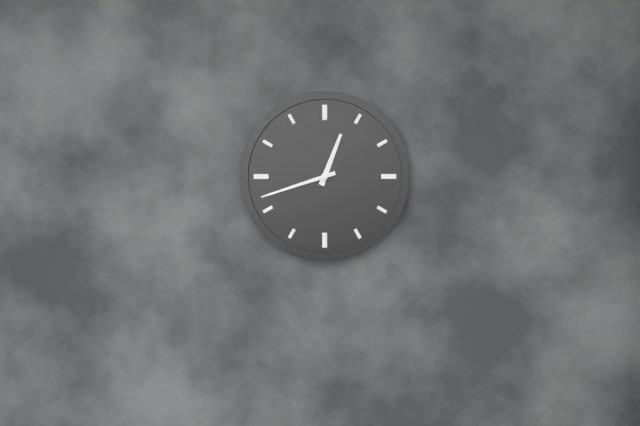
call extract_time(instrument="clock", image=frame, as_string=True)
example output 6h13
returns 12h42
